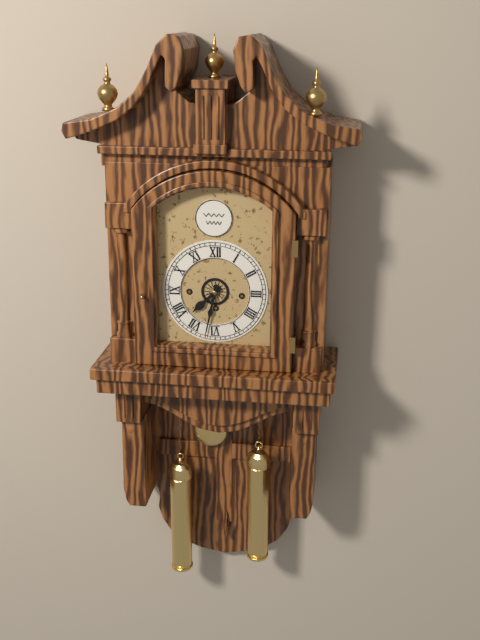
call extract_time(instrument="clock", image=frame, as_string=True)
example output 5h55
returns 7h32
